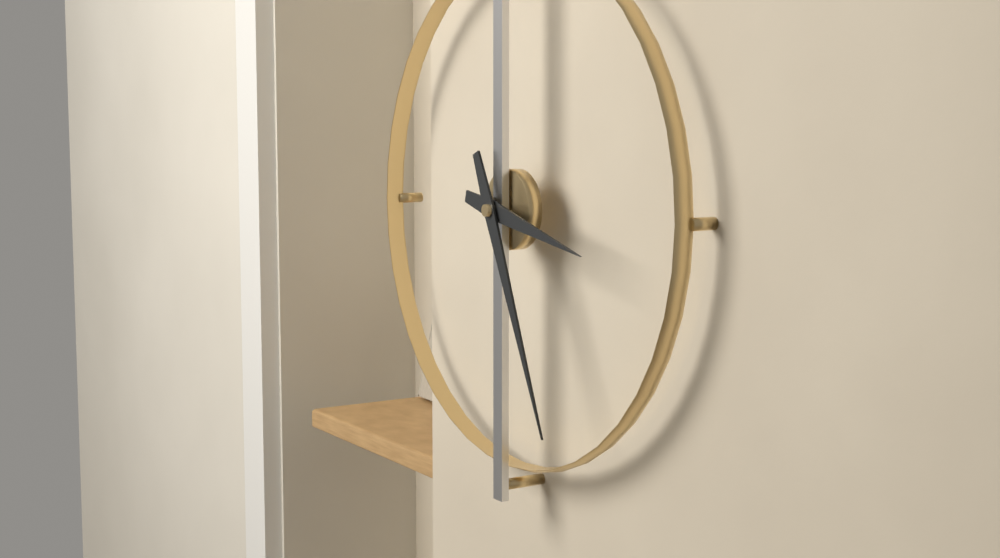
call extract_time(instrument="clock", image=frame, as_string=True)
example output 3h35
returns 3h26
